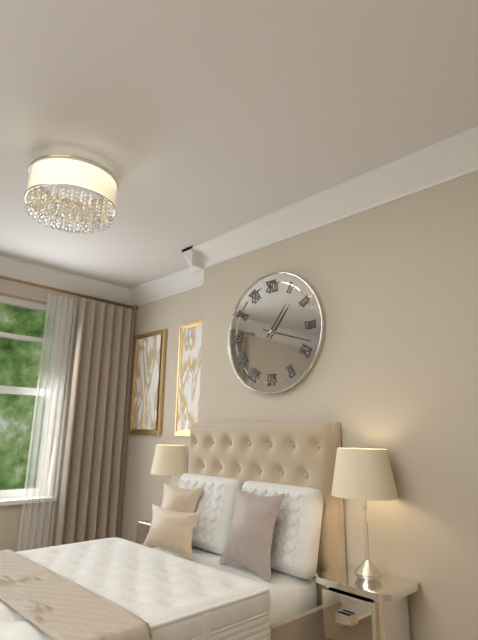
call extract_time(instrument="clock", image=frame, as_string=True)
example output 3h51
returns 1h18
